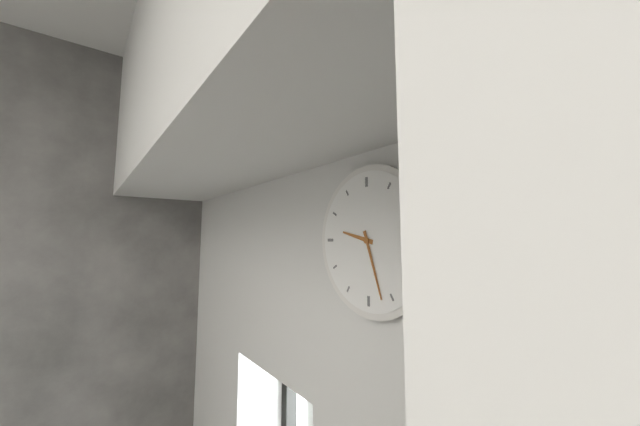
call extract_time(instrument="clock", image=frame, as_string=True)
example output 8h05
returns 9h27
